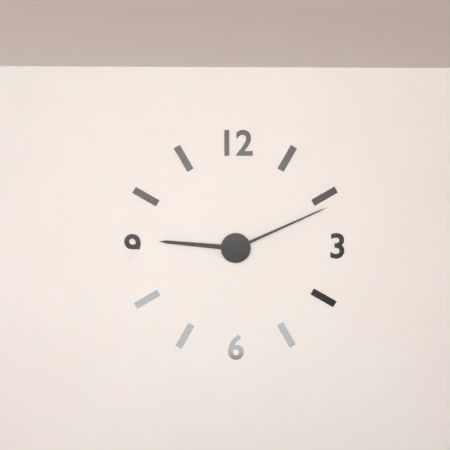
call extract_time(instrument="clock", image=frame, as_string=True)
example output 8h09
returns 9h11
